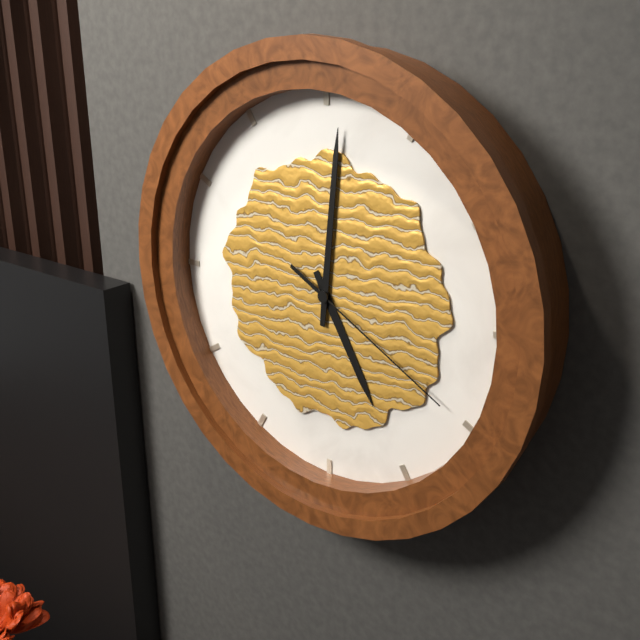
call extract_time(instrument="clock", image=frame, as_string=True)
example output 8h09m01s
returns 5h01m20s
